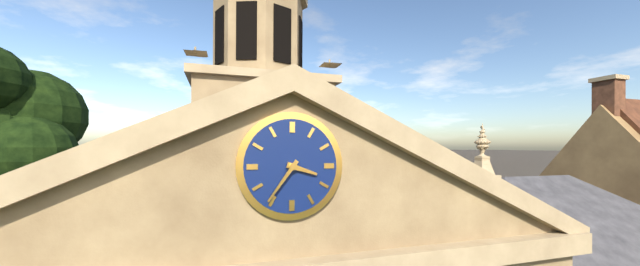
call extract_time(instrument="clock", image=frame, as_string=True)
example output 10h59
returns 3h36
